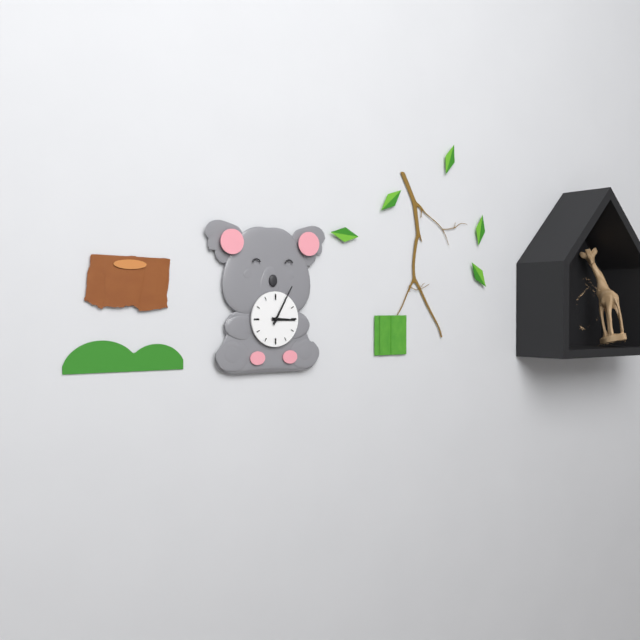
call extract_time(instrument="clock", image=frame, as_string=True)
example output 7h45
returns 3h05
